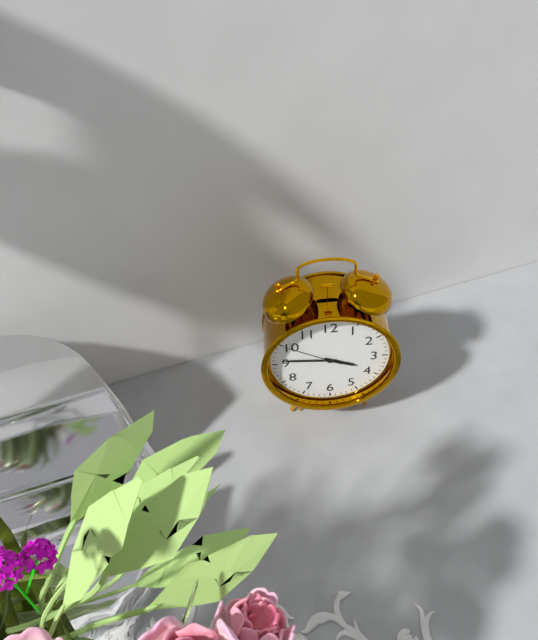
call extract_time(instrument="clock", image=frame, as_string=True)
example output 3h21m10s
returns 3h46m50s
